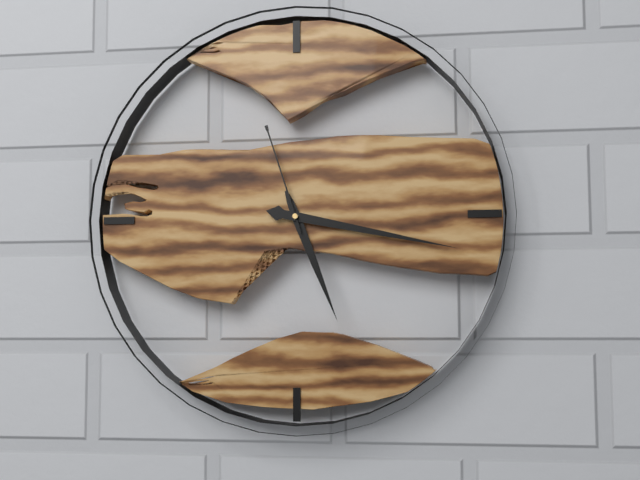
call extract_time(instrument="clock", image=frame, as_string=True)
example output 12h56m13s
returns 5h17m57s
